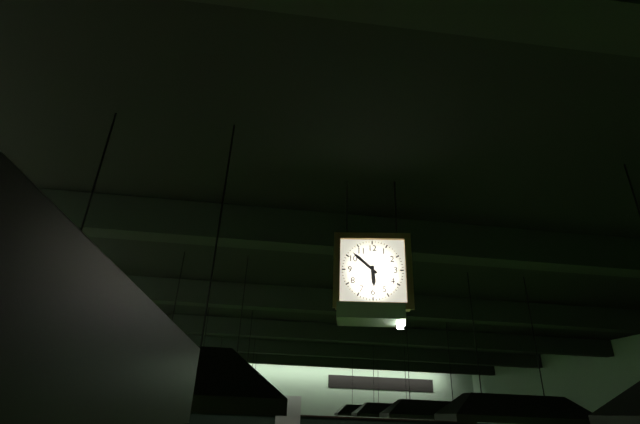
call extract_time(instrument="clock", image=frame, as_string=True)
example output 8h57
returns 5h52
